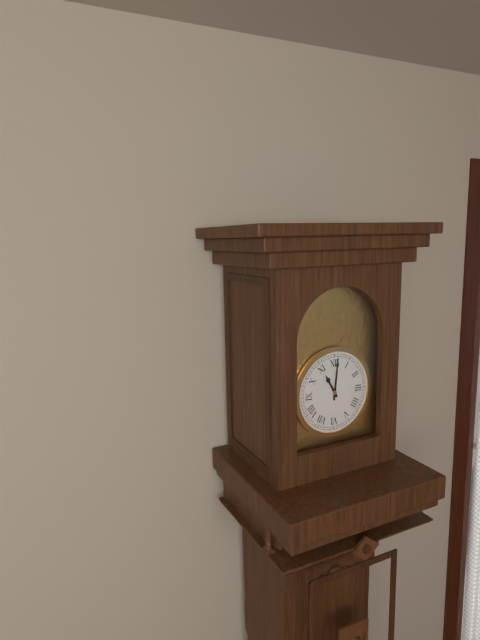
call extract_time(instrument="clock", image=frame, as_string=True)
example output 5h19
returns 11h01
